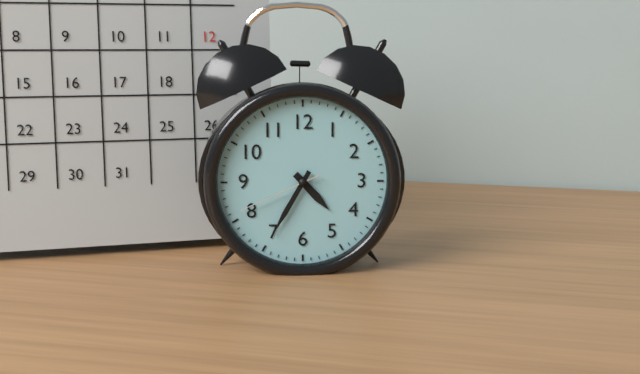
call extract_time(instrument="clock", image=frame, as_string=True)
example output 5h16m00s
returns 4h35m41s
